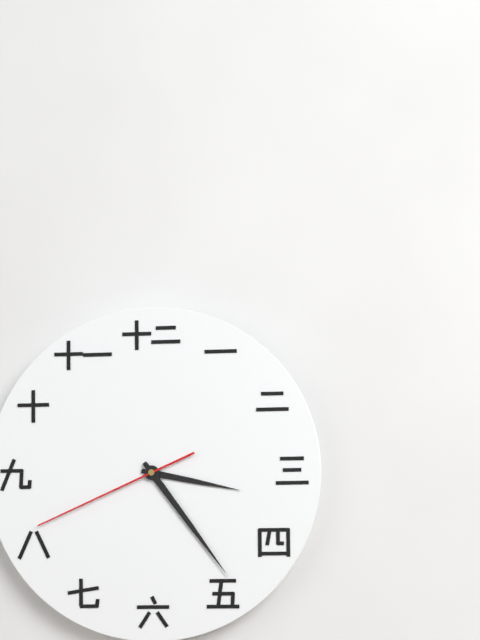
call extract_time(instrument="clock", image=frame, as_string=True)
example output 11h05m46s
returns 3h24m41s
